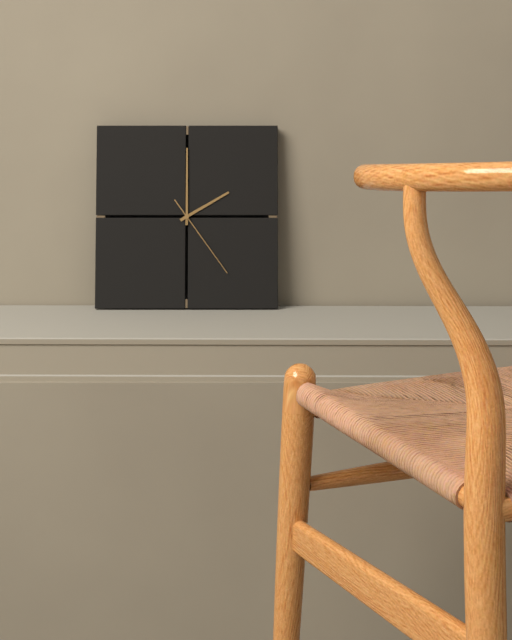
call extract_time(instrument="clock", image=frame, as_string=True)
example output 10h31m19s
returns 2h00m24s
